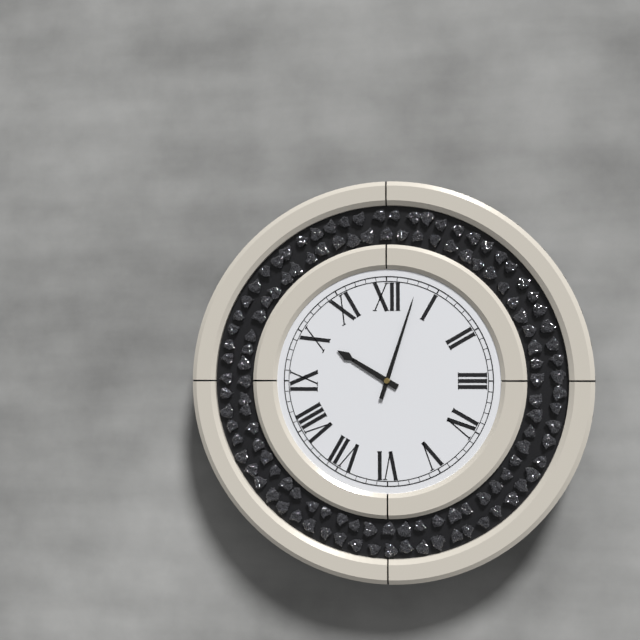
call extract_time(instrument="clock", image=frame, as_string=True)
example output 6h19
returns 10h03
